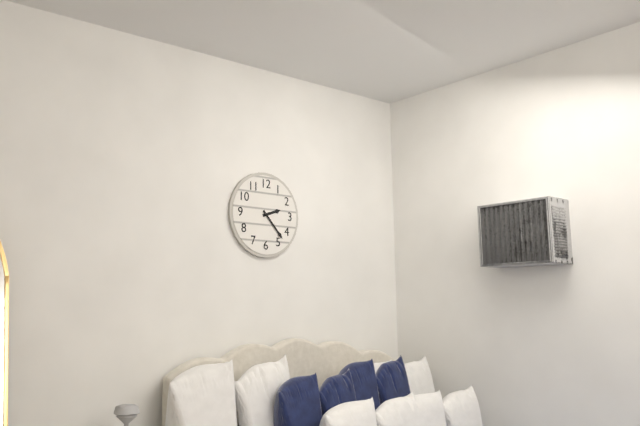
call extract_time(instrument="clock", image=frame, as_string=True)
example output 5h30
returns 2h23
